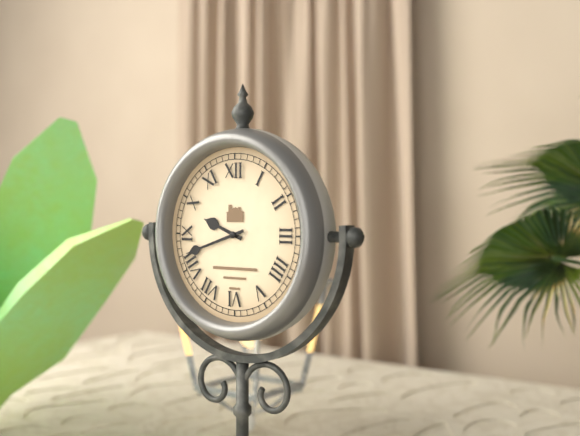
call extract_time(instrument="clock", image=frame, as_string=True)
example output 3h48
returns 9h42
